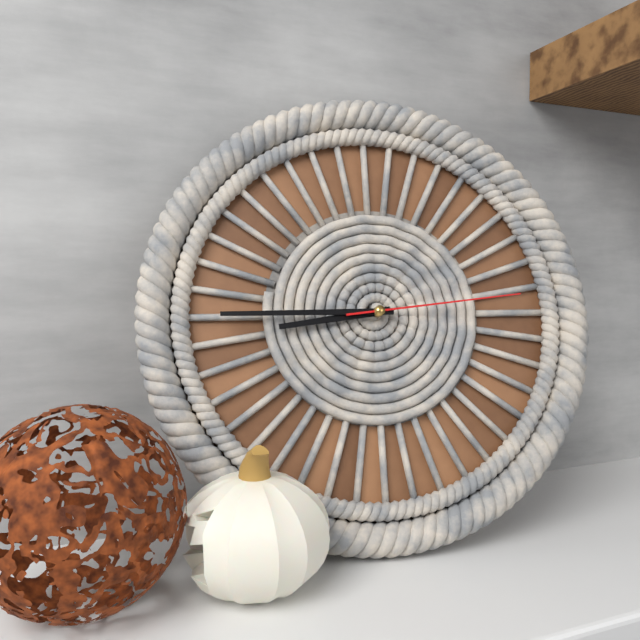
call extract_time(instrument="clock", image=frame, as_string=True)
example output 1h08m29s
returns 8h45m14s
